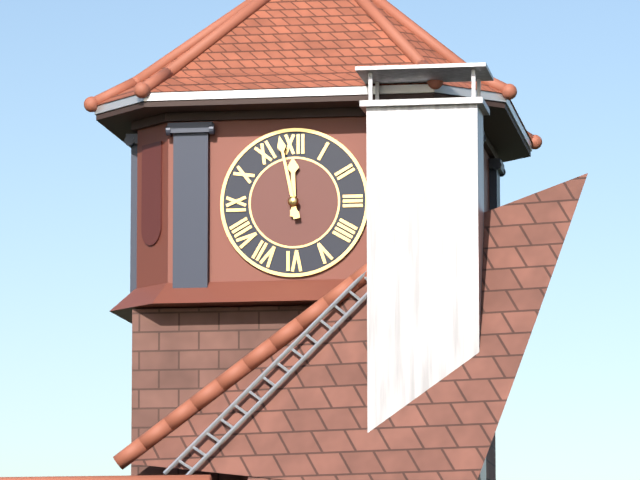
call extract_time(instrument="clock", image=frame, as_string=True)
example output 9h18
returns 11h58
